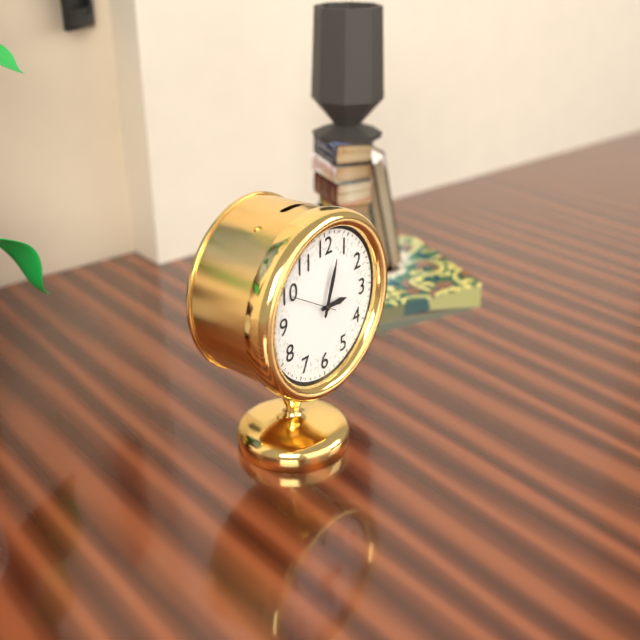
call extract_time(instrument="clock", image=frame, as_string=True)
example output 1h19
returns 3h03
